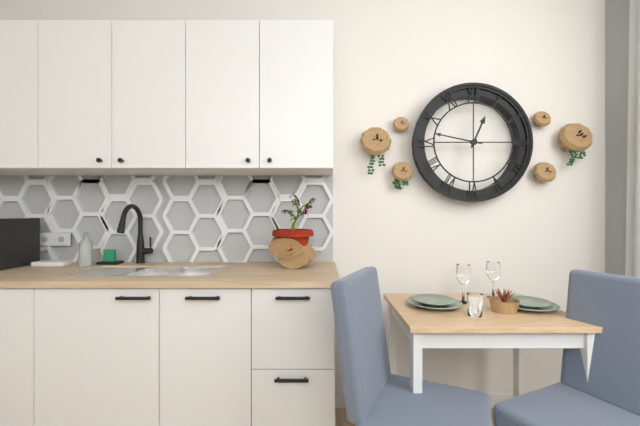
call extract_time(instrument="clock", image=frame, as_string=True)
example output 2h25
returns 12h47
